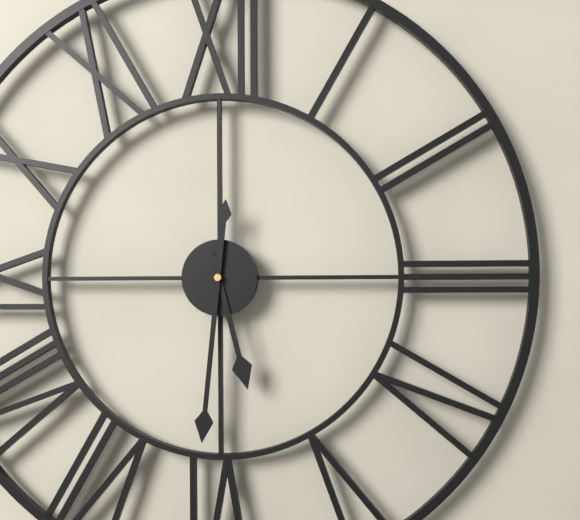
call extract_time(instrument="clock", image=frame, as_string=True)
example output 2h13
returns 5h31
